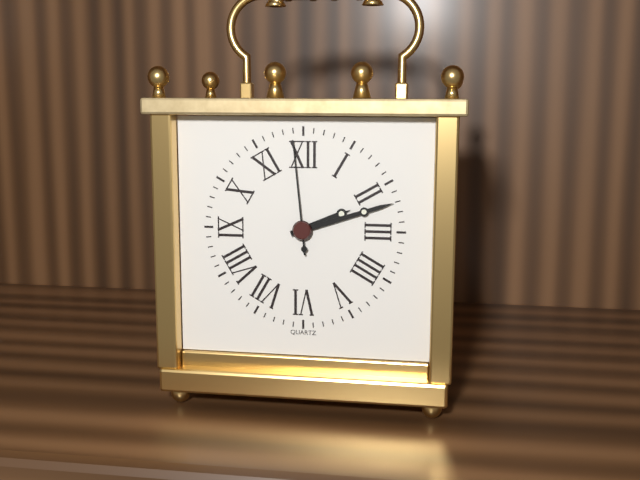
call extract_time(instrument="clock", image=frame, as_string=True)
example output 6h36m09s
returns 2h12m59s
